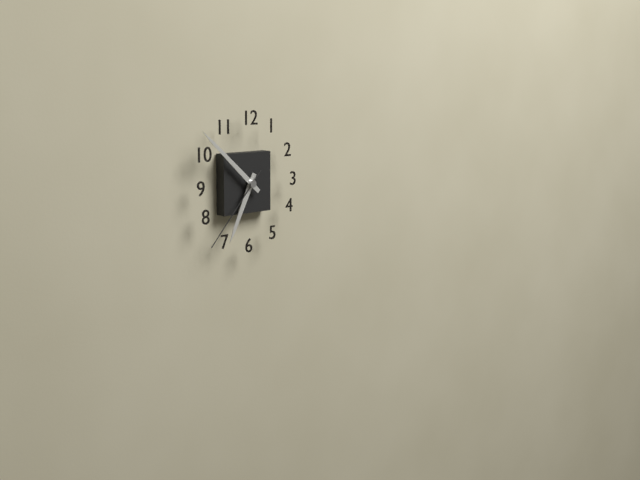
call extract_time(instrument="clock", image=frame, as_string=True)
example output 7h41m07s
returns 6h52m37s
